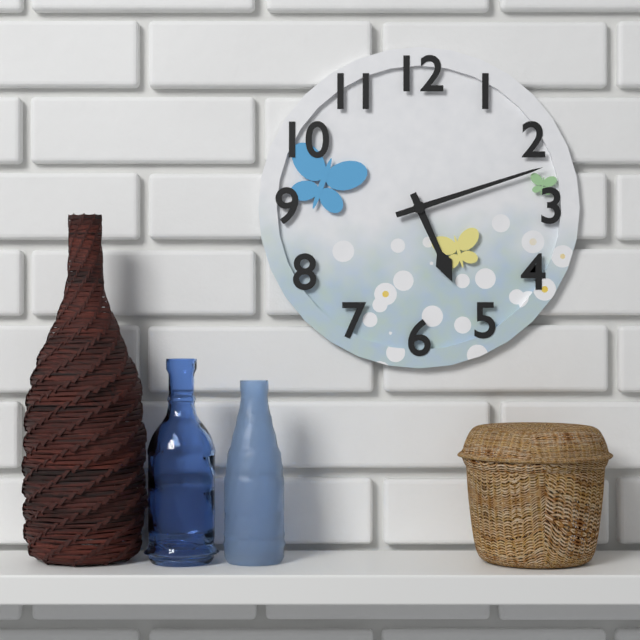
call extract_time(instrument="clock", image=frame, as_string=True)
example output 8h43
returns 5h12
